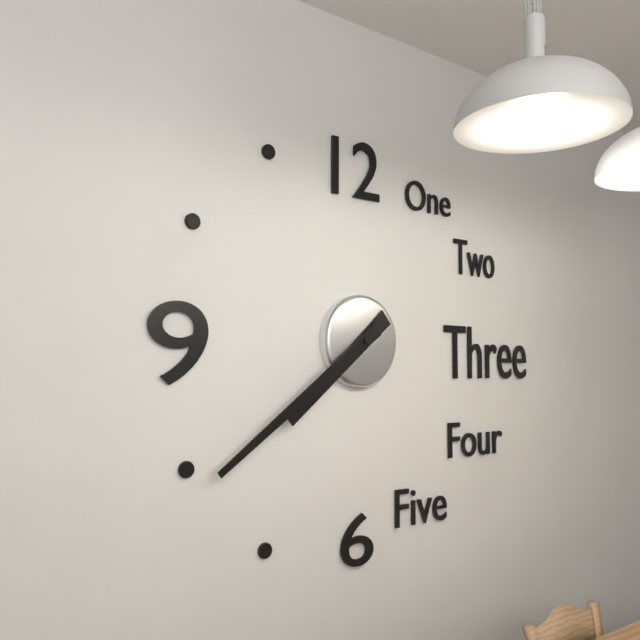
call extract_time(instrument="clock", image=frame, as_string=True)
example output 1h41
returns 7h39
